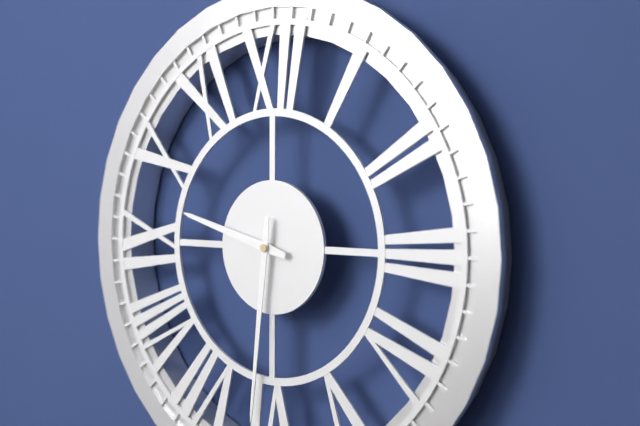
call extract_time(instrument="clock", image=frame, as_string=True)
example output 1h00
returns 9h31
